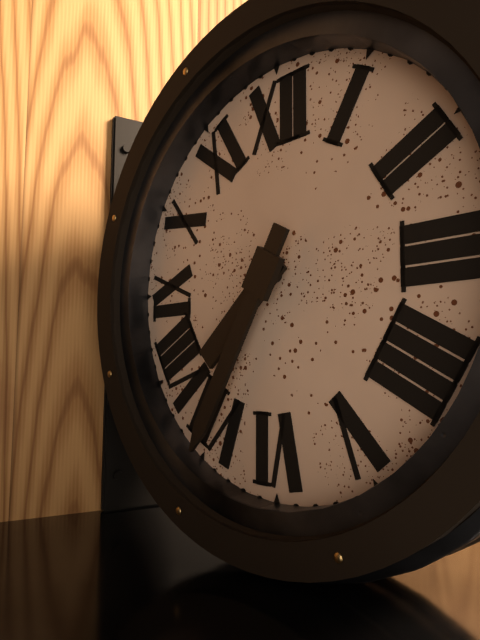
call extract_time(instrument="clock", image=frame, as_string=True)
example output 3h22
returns 7h35
